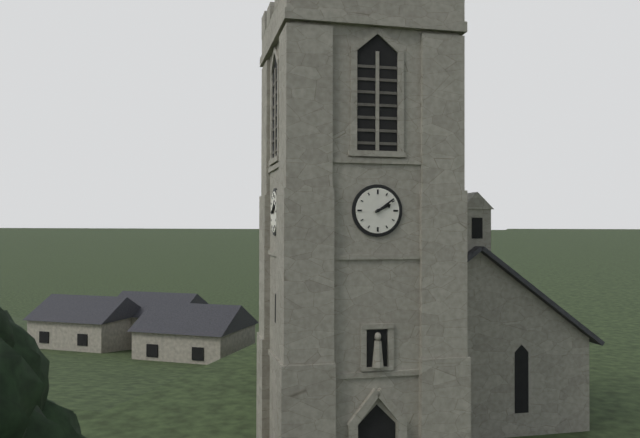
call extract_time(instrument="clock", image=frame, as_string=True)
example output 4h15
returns 2h09
